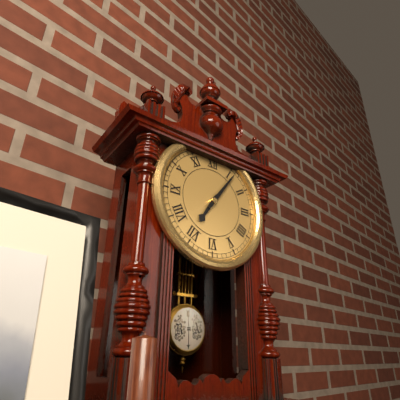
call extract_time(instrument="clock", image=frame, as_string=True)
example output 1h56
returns 7h06
